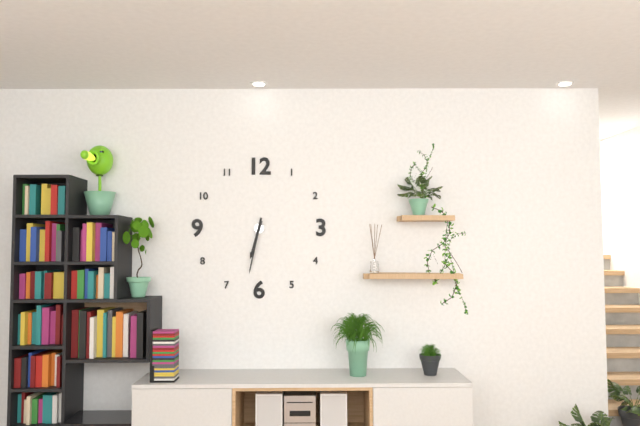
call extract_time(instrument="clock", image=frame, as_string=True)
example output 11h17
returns 6h32
